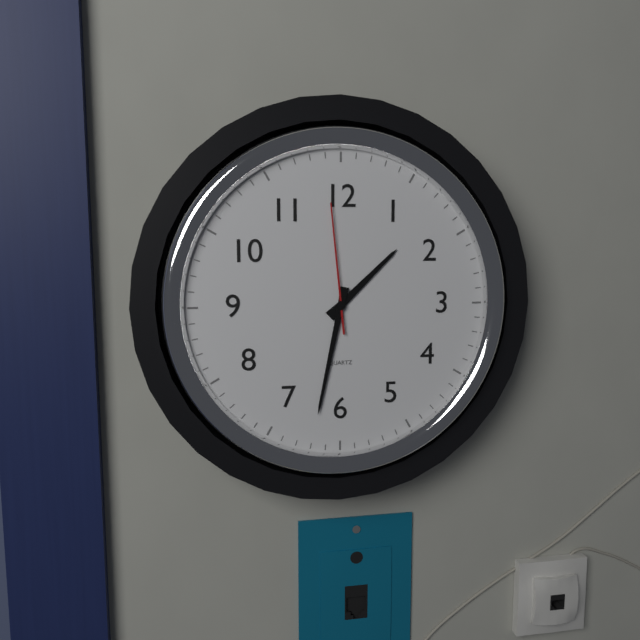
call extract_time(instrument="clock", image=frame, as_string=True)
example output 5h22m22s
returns 1h32m59s
